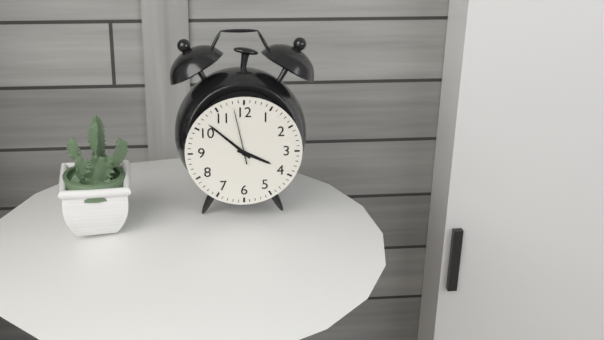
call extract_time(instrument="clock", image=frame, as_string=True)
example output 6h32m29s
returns 3h52m58s
